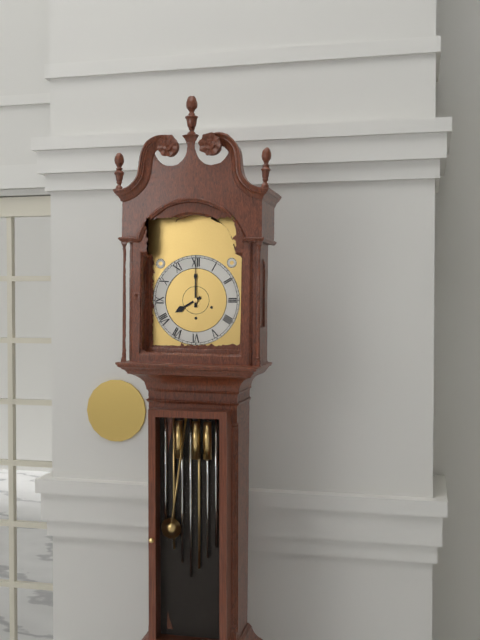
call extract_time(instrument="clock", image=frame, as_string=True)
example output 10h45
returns 8h00
